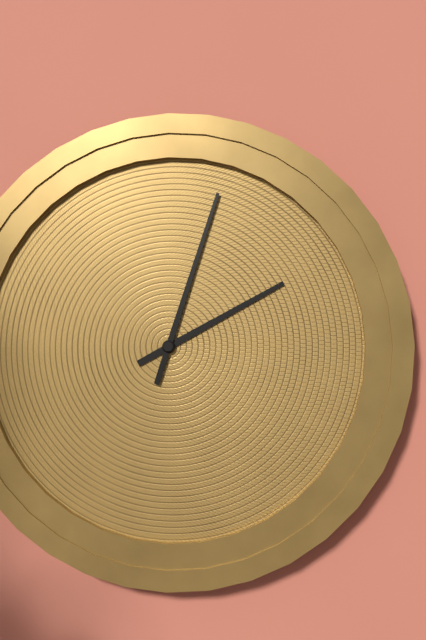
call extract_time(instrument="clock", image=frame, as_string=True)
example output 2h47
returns 2h03
